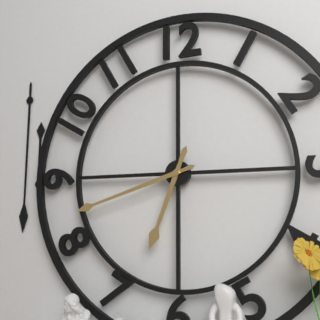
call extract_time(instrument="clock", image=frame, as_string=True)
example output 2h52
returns 6h42
